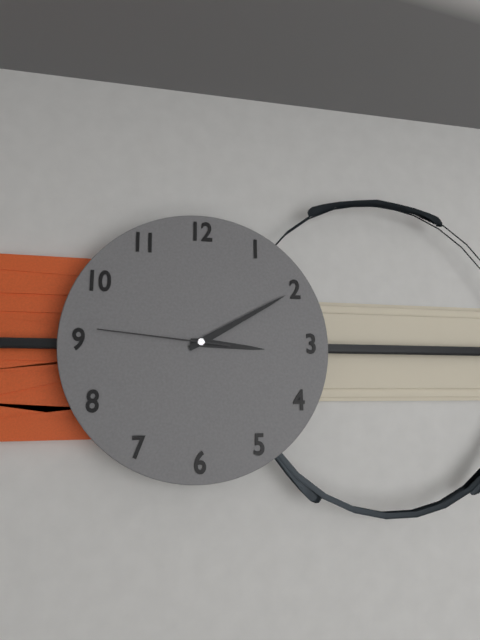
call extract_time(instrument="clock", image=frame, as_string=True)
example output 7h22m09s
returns 3h10m46s
